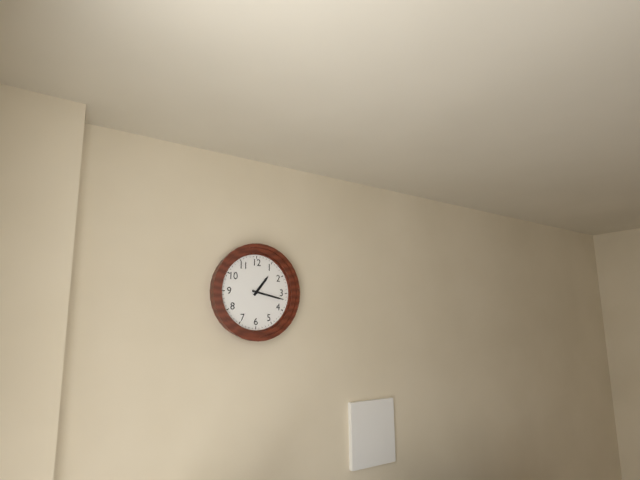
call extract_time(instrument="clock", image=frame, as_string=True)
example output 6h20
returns 1h17
